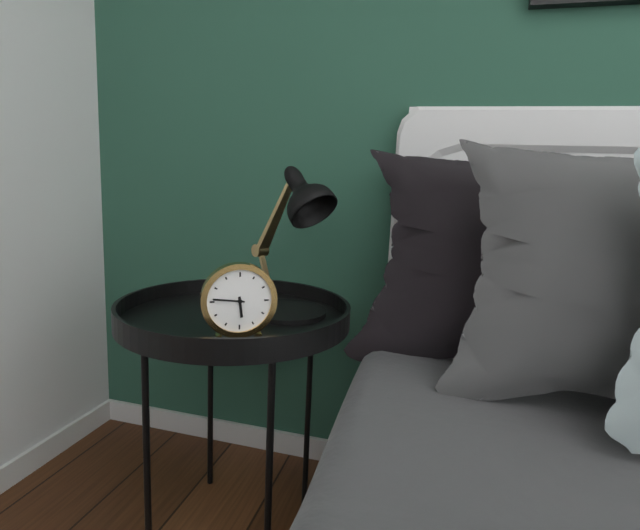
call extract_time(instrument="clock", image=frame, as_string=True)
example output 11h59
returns 5h46
